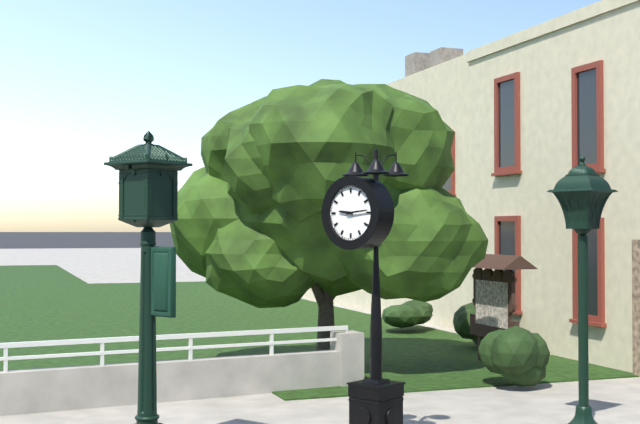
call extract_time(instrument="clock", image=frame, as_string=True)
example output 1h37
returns 9h14
